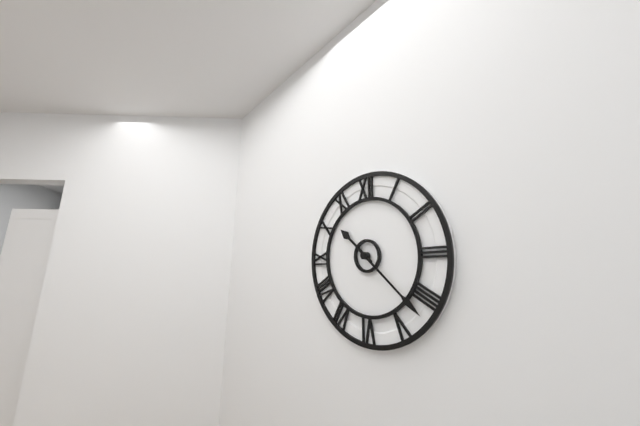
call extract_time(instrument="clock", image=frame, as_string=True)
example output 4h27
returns 10h22
